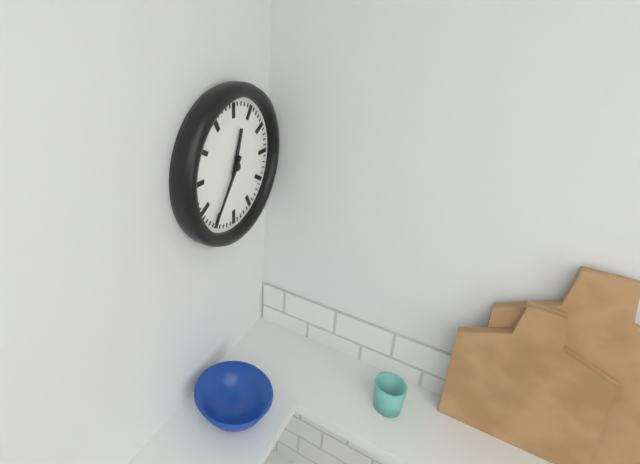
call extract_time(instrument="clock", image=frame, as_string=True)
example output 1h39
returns 12h36
